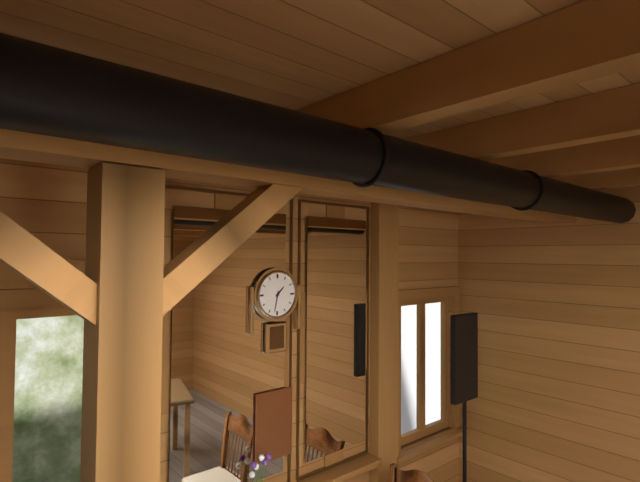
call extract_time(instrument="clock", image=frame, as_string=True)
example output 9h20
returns 1h32
